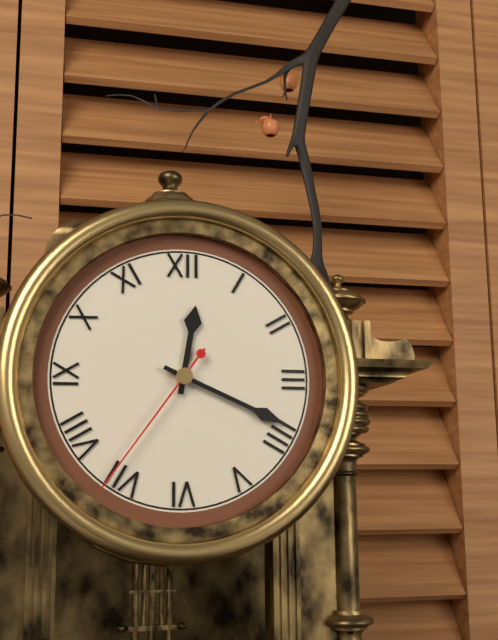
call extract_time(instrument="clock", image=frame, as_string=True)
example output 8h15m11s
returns 12h19m36s
